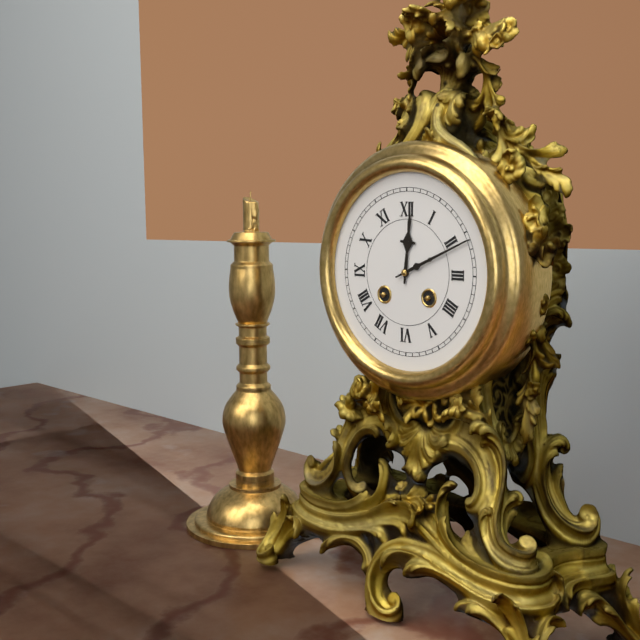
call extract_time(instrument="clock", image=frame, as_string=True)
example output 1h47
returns 12h11
